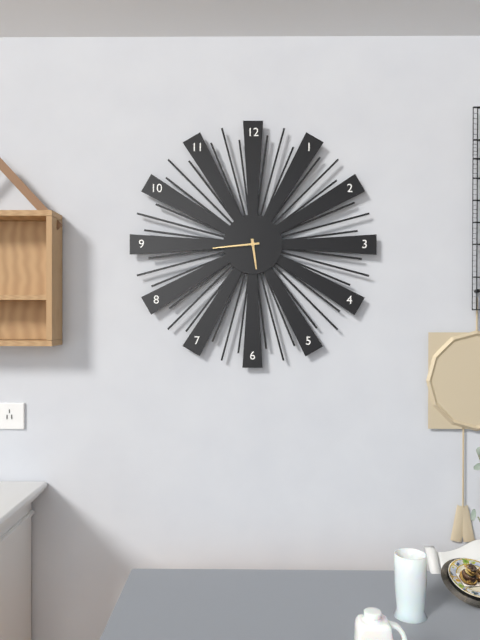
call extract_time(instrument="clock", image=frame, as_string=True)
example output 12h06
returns 5h44
